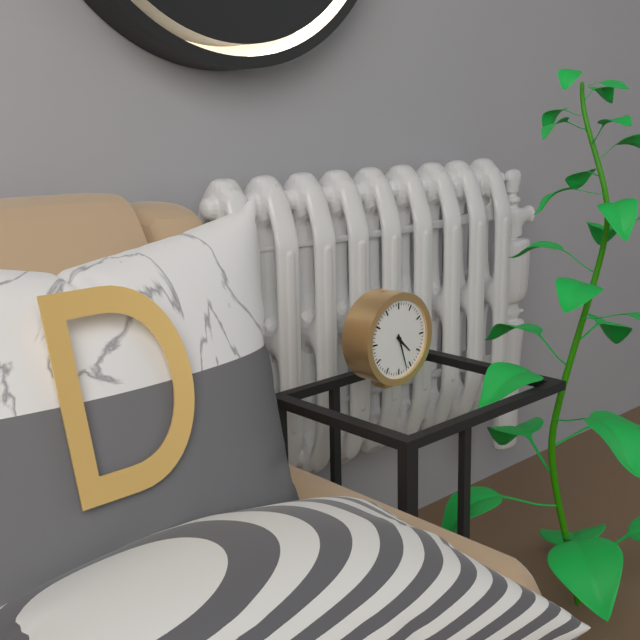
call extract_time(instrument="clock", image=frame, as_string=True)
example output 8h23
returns 4h27
